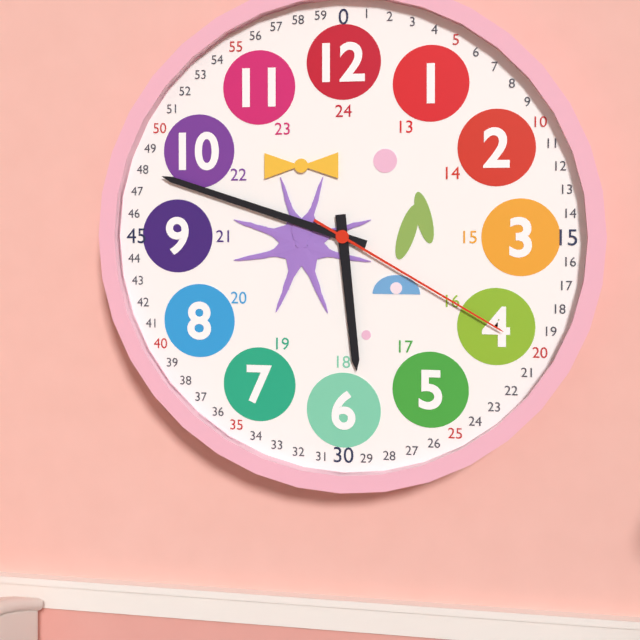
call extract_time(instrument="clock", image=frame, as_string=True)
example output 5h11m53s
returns 5h48m20s
